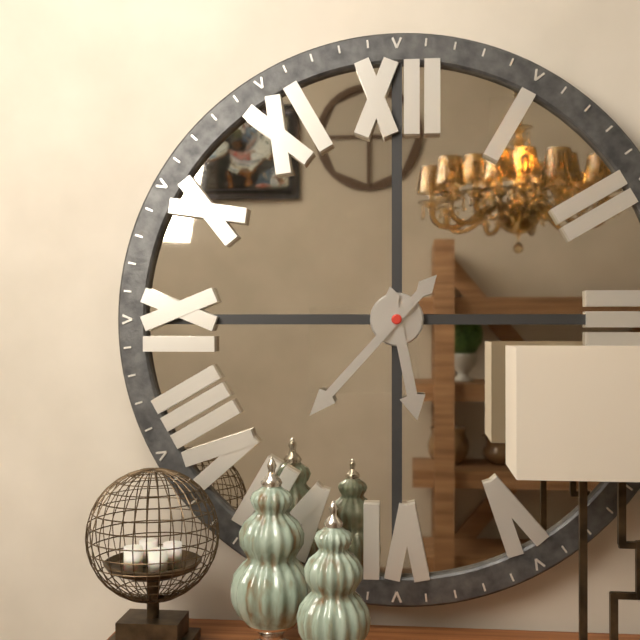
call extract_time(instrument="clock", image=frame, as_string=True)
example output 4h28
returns 5h37
